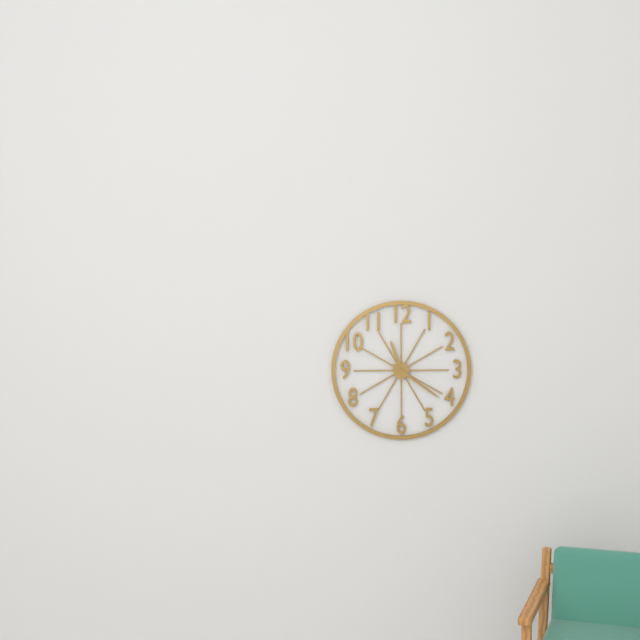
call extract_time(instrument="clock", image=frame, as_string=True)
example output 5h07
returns 11h21
